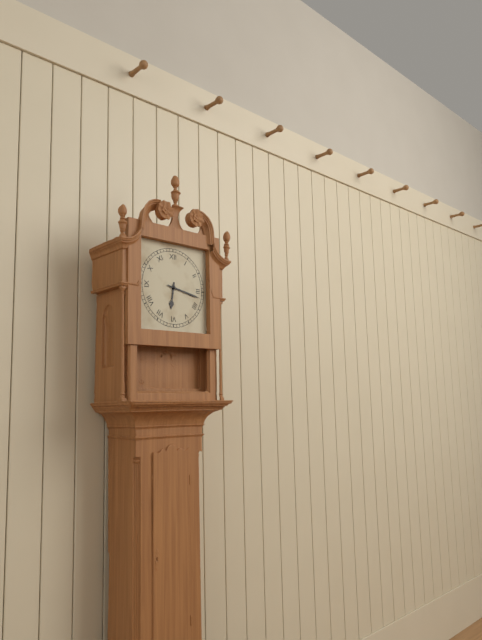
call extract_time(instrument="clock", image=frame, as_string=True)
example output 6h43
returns 6h17
